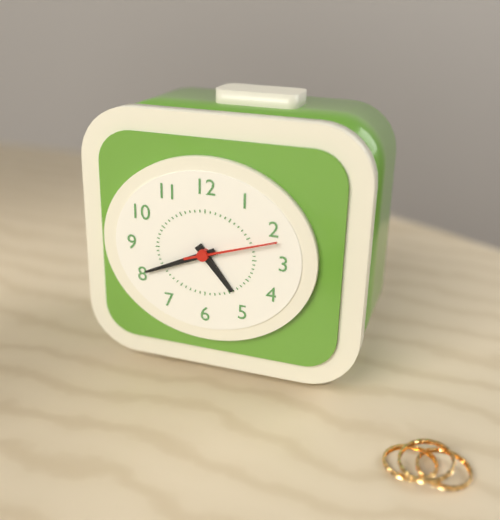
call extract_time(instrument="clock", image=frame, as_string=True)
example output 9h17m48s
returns 4h41m12s
